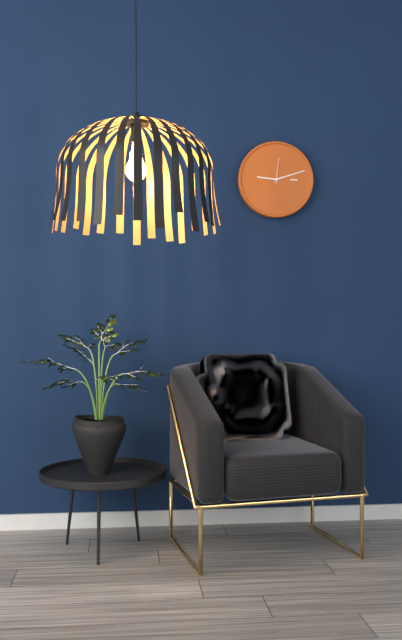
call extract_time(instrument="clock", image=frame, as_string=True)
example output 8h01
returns 9h12
